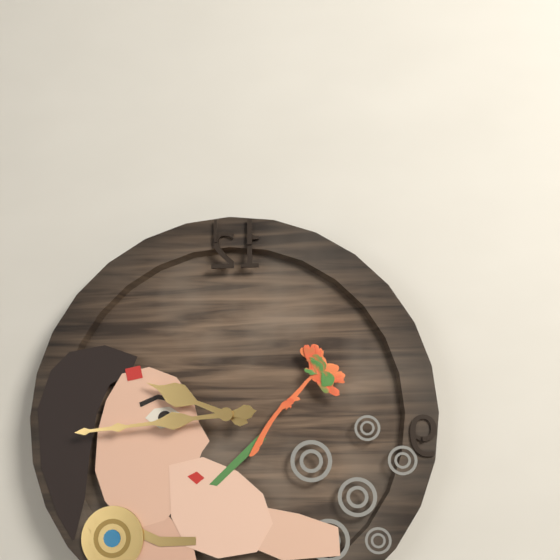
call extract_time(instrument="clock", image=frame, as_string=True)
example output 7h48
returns 9h44
